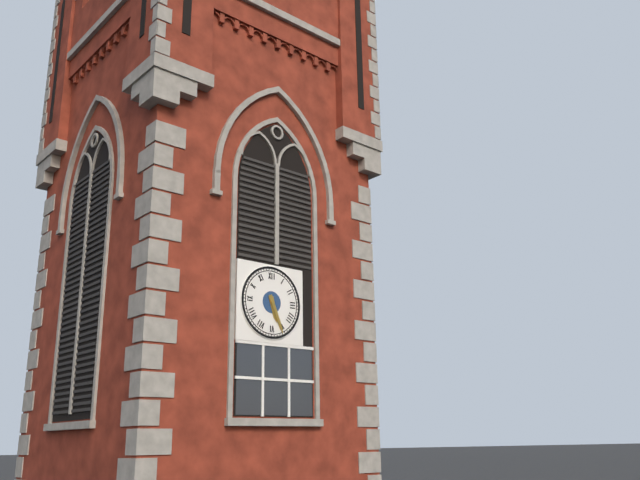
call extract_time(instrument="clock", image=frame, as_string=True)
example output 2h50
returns 5h26
